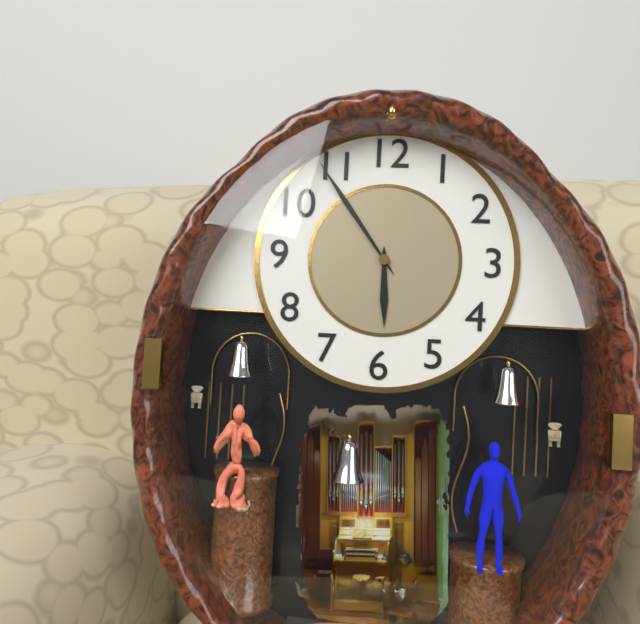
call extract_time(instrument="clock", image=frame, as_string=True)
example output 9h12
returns 5h54
